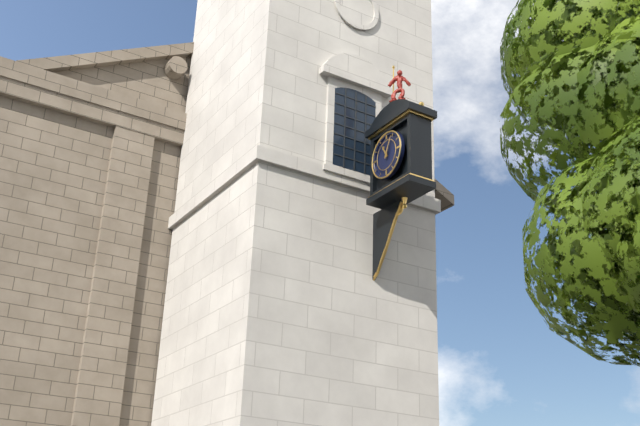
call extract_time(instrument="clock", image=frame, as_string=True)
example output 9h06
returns 11h04
